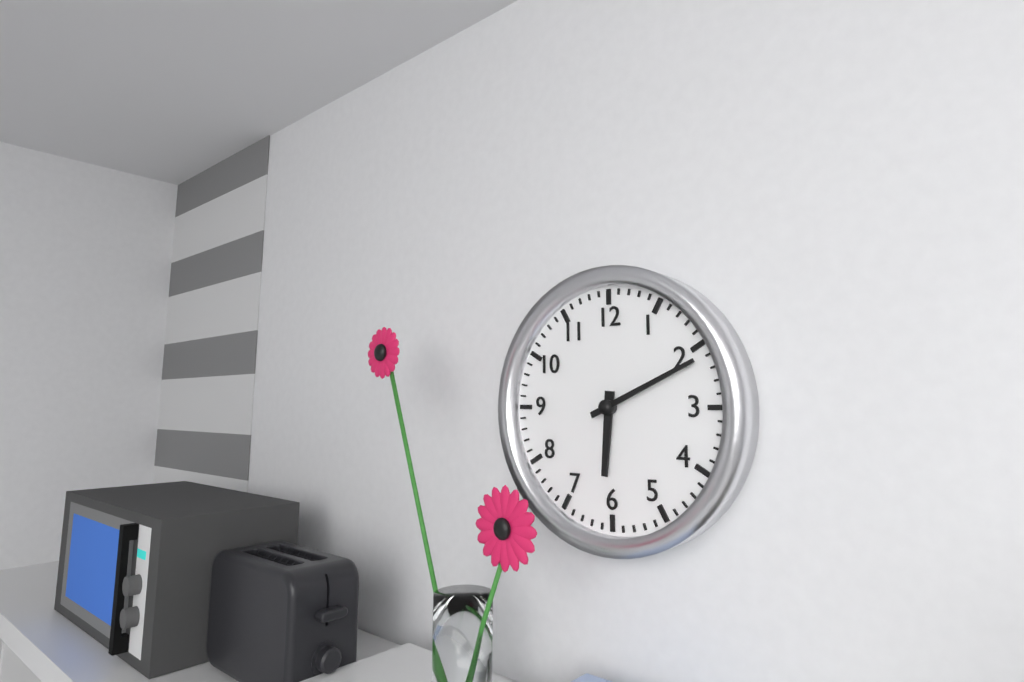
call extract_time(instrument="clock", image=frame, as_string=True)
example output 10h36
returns 6h11
